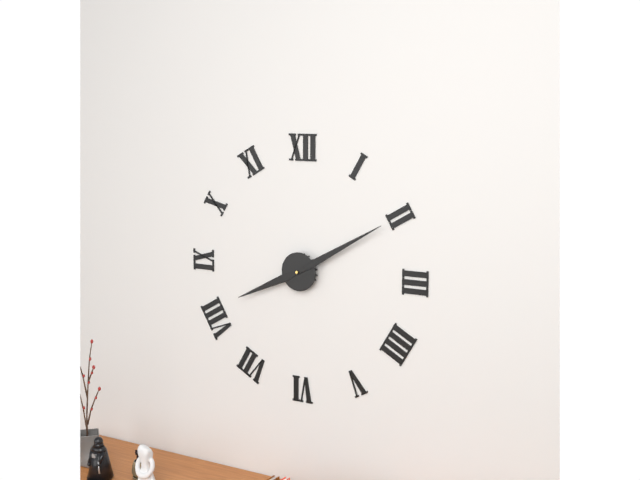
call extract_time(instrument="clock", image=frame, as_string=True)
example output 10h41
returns 8h10
